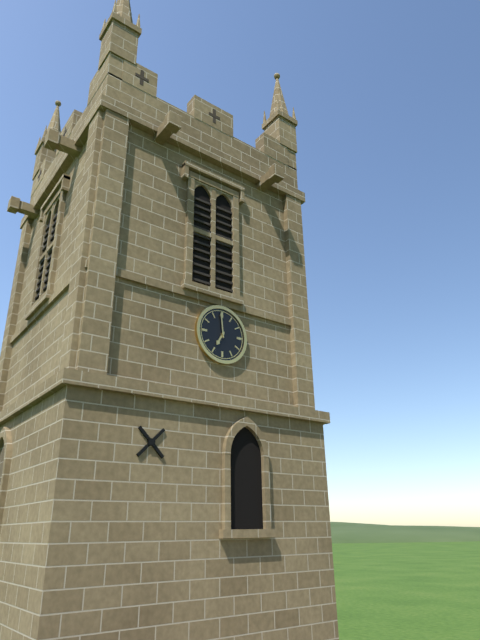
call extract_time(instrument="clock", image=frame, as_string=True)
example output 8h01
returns 6h59
